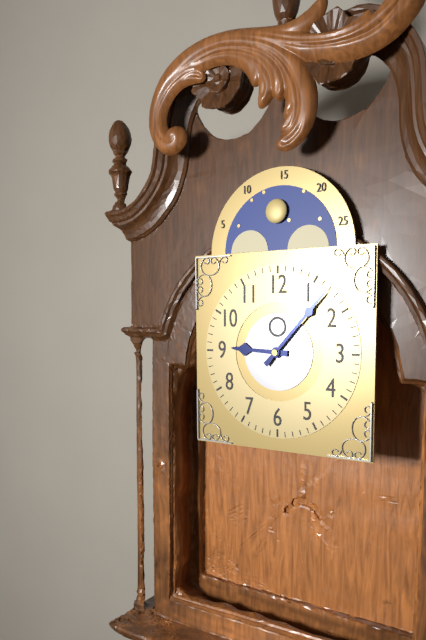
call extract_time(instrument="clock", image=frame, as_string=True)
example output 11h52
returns 9h07
